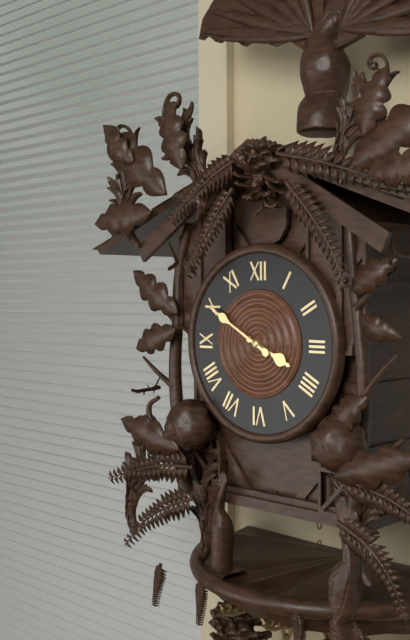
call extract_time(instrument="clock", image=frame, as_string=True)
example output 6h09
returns 3h50
